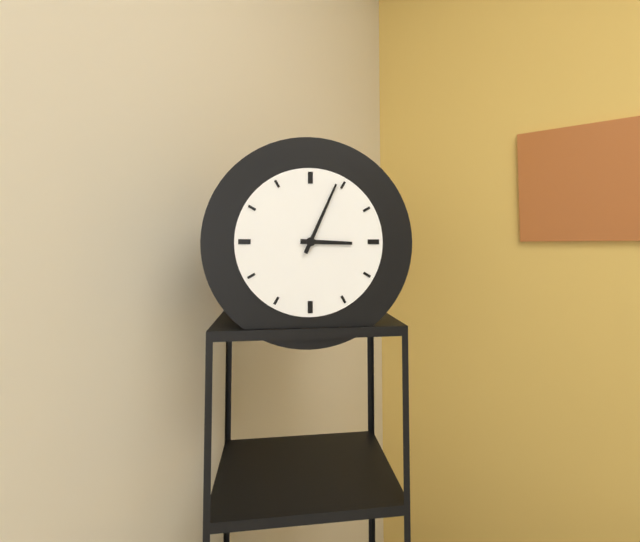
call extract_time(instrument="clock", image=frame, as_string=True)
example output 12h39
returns 3h04
